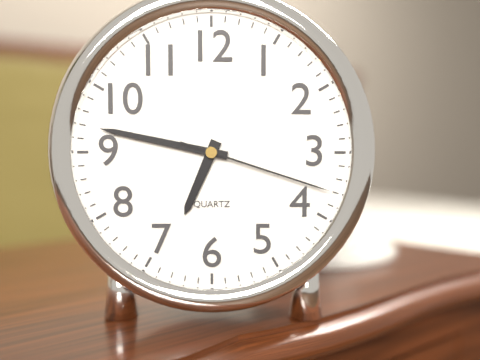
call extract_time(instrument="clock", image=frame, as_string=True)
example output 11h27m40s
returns 6h47m18s
